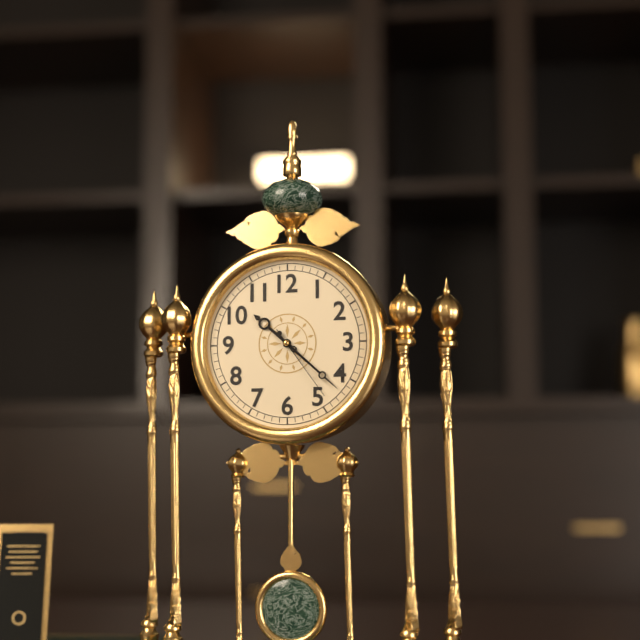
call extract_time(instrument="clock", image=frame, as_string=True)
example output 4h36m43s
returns 10h22m24s
